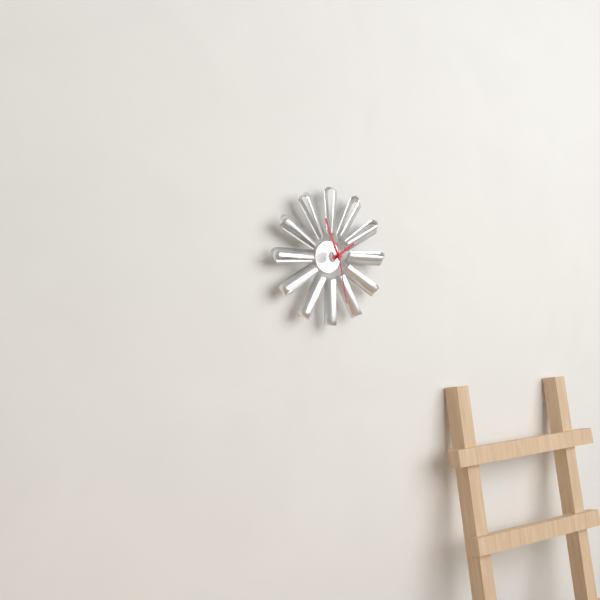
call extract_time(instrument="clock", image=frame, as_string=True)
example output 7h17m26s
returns 1h56m28s
